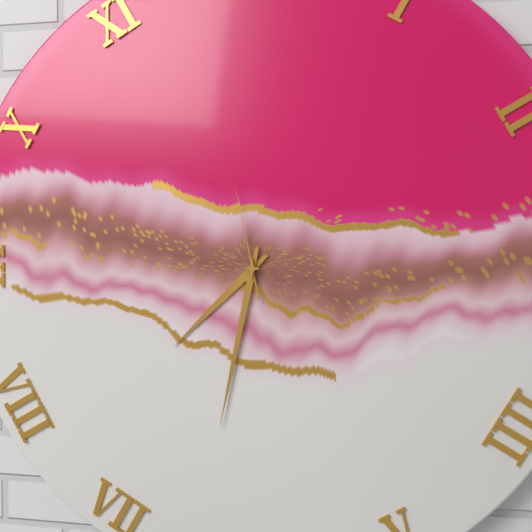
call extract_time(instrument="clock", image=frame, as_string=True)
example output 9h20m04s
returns 7h32m58s
